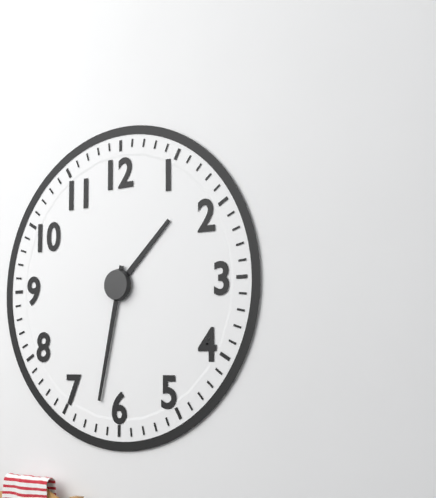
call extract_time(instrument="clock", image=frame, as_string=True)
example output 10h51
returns 1h32
